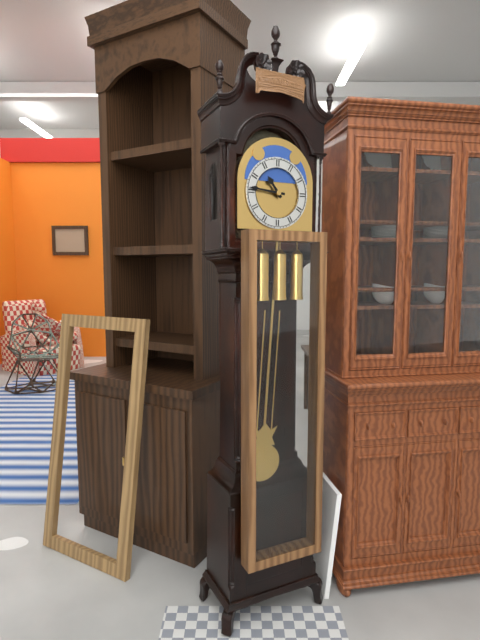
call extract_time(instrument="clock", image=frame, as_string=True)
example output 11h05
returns 10h46
